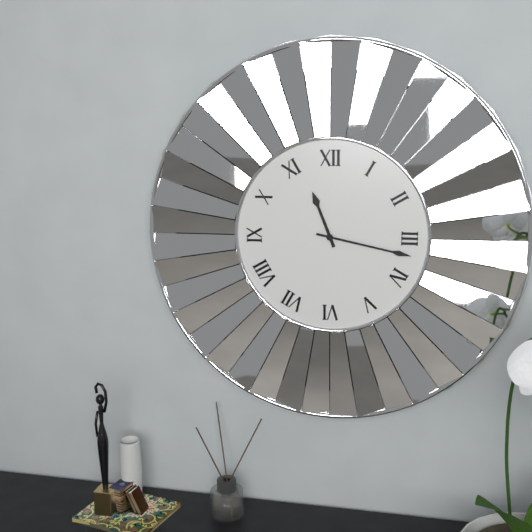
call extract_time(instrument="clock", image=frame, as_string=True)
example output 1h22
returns 11h17
